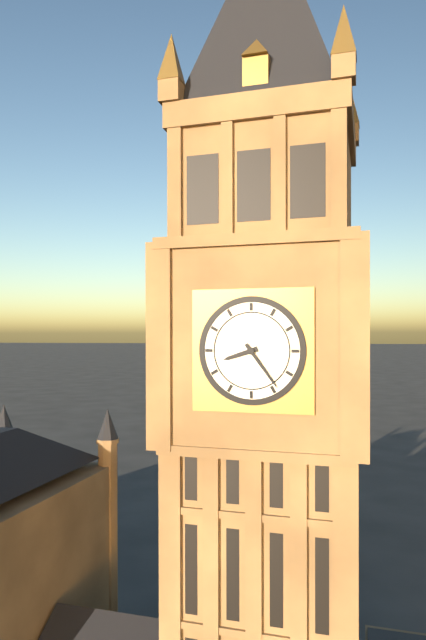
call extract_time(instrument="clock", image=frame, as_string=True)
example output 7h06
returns 8h24
